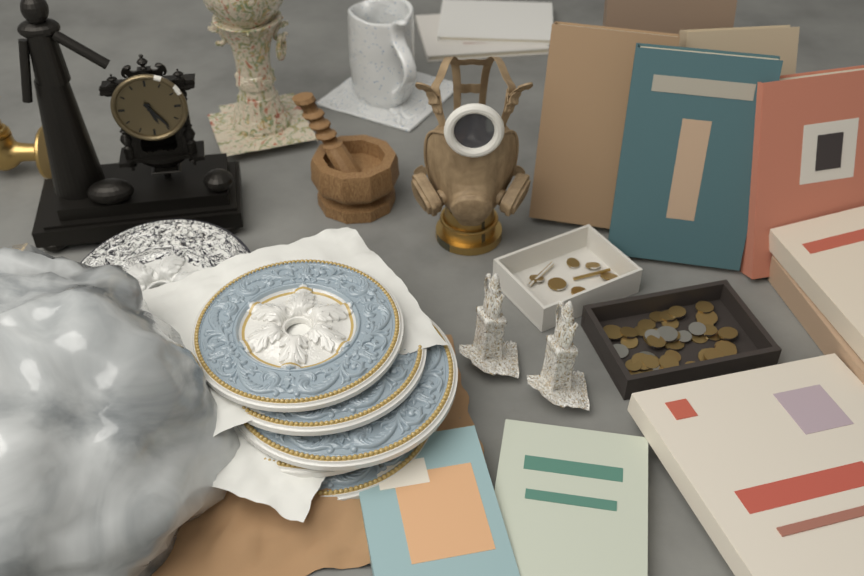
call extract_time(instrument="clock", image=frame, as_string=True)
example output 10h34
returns 5h24
